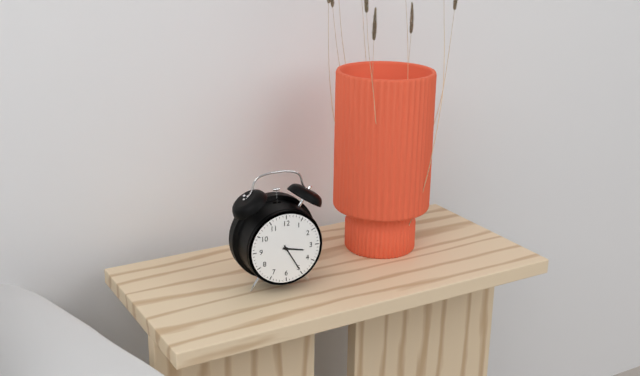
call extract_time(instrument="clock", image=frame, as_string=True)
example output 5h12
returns 3h25
